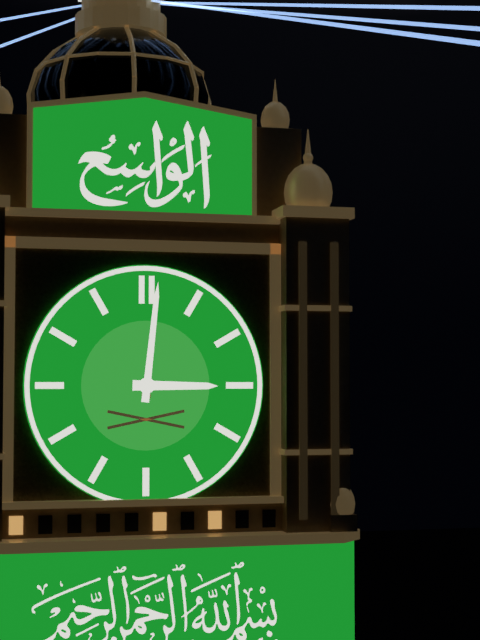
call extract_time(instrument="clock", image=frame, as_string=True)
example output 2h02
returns 3h01
